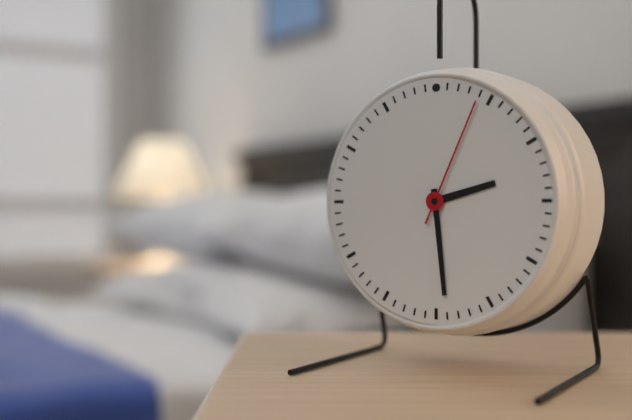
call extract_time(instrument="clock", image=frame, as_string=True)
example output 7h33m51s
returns 2h29m04s
